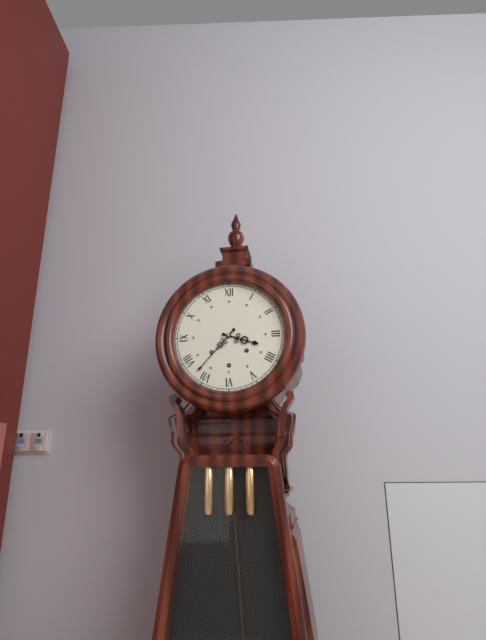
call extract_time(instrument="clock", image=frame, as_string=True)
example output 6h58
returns 3h37
